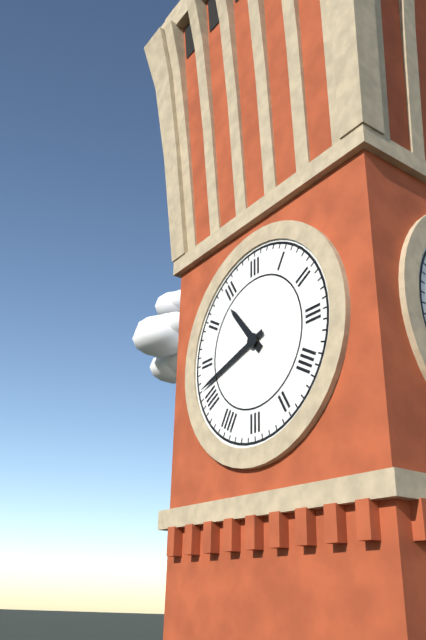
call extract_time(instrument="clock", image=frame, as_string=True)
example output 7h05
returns 10h42
